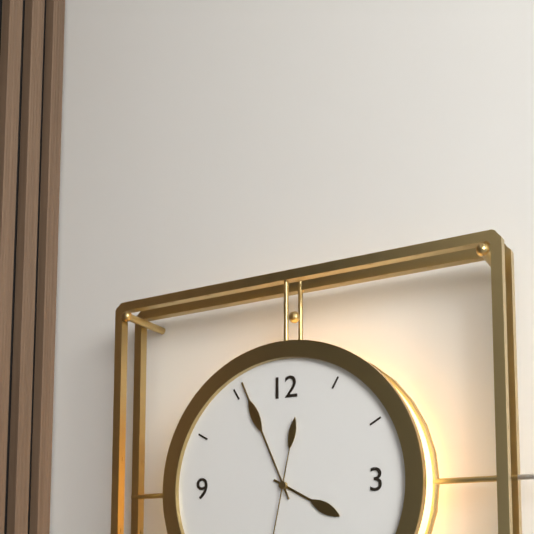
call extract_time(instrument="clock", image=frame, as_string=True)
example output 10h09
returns 3h56
